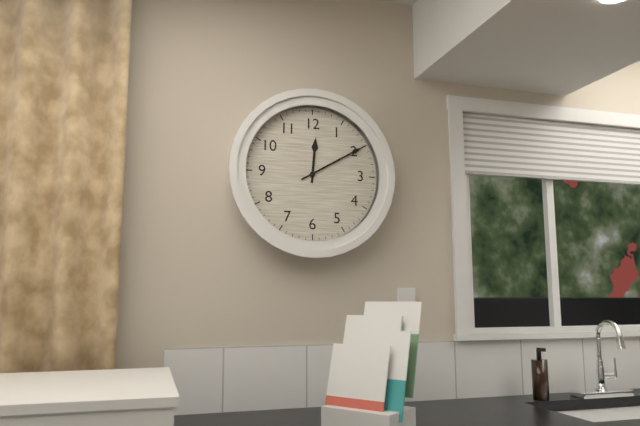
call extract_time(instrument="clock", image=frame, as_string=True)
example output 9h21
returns 12h10
